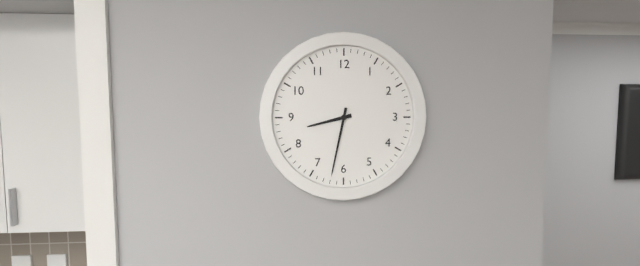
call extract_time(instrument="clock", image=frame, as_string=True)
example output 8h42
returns 8h32
